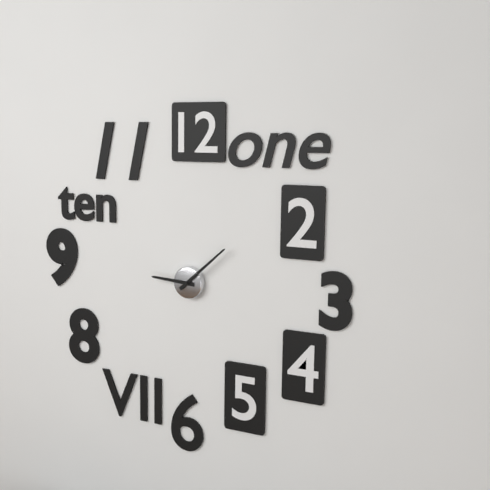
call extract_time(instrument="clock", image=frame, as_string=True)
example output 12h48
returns 9h08
